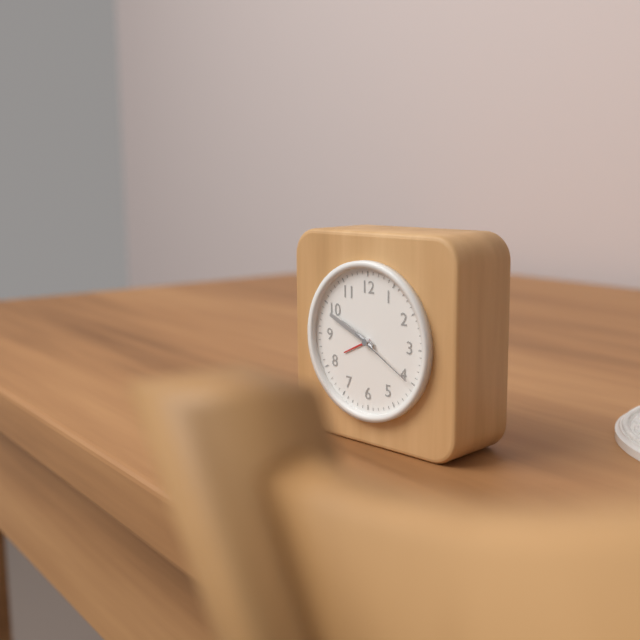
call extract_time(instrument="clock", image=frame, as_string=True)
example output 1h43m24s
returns 9h49m20s
